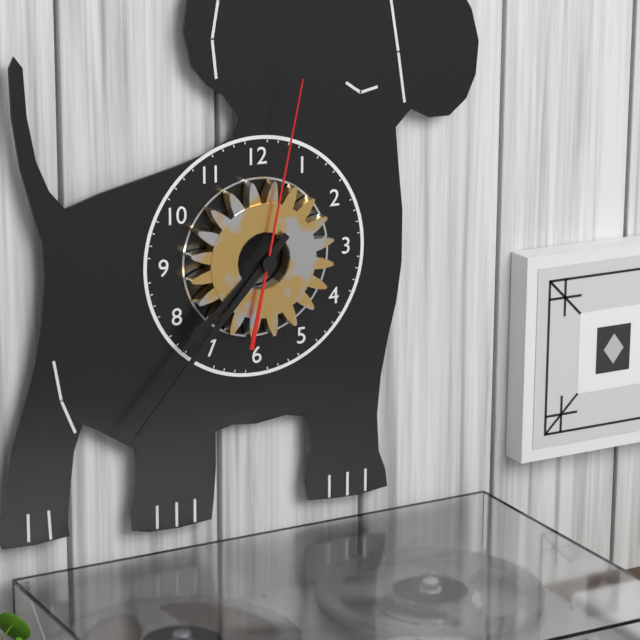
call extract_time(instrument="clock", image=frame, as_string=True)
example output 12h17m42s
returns 7h37m02s
